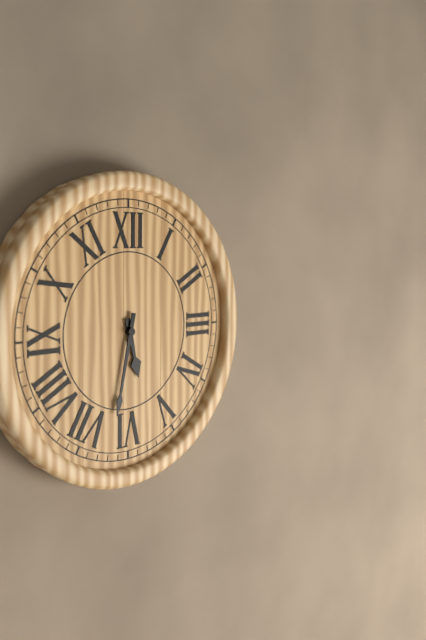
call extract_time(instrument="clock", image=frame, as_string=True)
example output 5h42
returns 5h32
